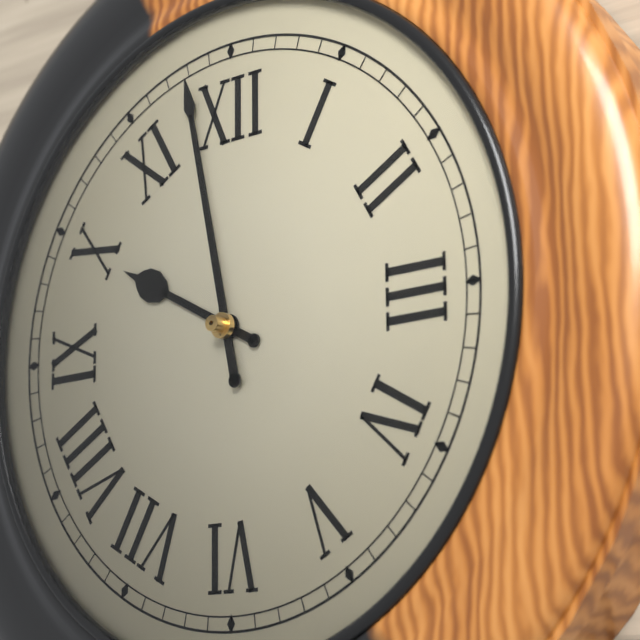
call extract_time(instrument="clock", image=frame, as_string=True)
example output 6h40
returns 9h58
